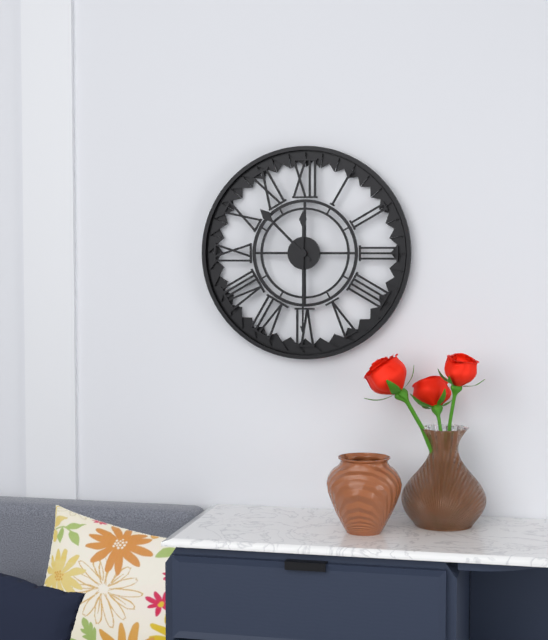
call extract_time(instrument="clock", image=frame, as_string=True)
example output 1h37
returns 10h30
